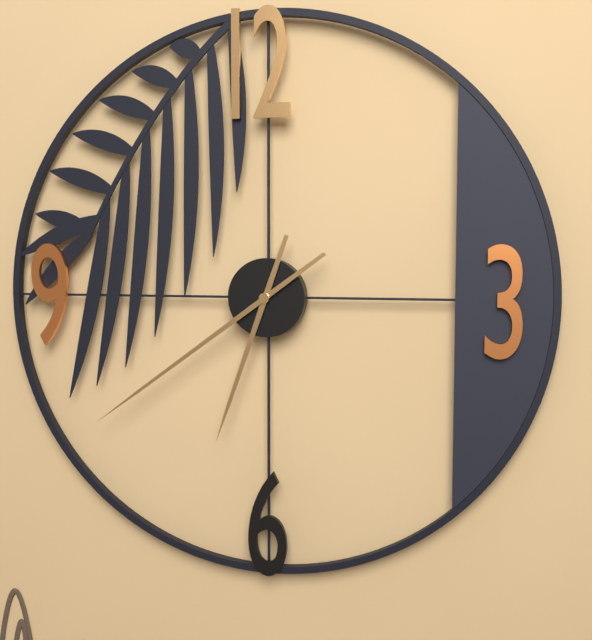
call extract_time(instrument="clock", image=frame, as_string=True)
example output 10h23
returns 6h39
